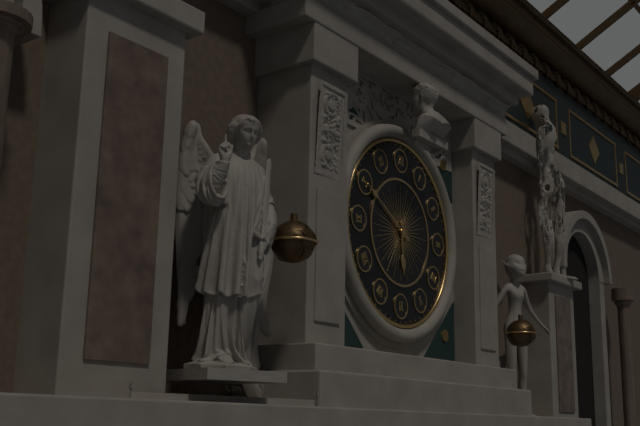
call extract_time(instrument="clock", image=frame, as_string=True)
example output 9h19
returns 5h50
